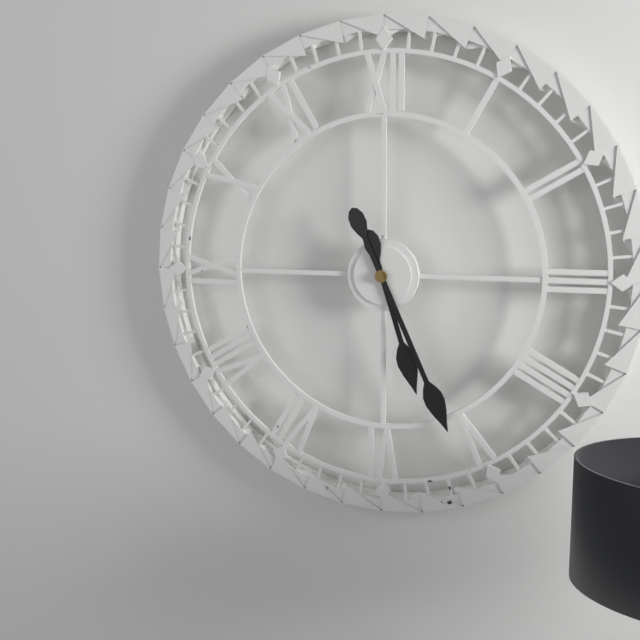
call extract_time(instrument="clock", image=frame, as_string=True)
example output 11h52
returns 5h26
